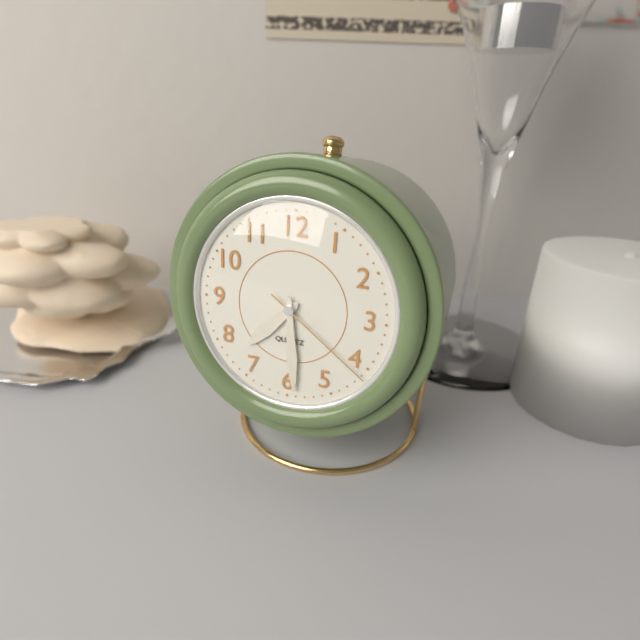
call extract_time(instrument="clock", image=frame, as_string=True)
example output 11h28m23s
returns 7h29m21s
